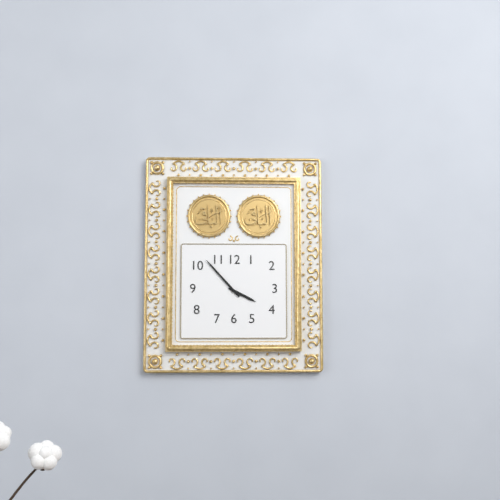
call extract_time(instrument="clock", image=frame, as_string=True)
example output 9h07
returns 3h53
